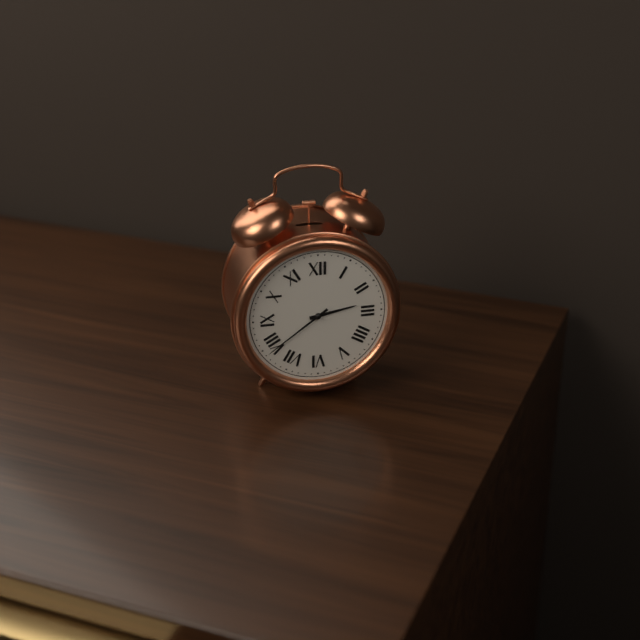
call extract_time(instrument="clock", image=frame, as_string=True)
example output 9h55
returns 2h39
